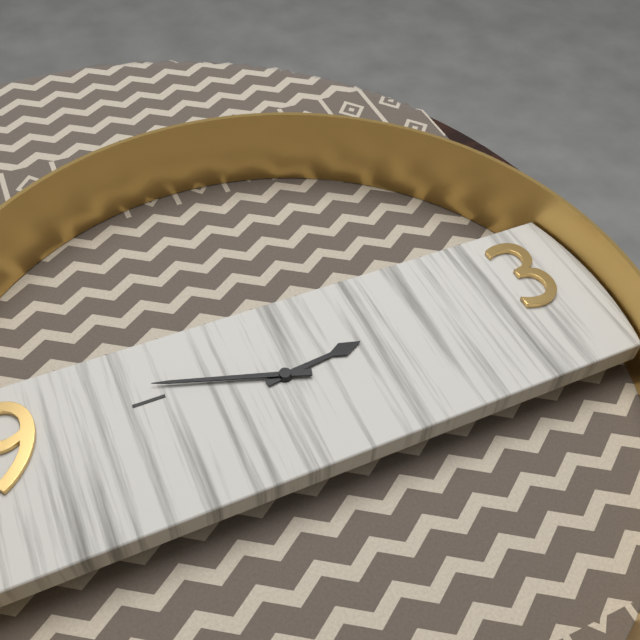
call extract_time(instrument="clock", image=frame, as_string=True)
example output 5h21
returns 2h48
